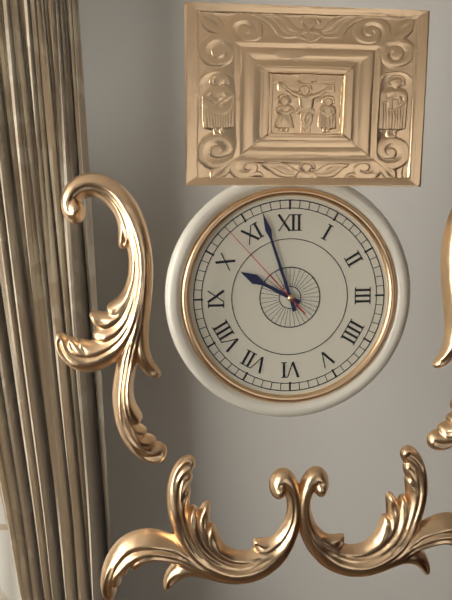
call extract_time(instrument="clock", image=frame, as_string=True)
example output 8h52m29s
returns 9h57m53s
